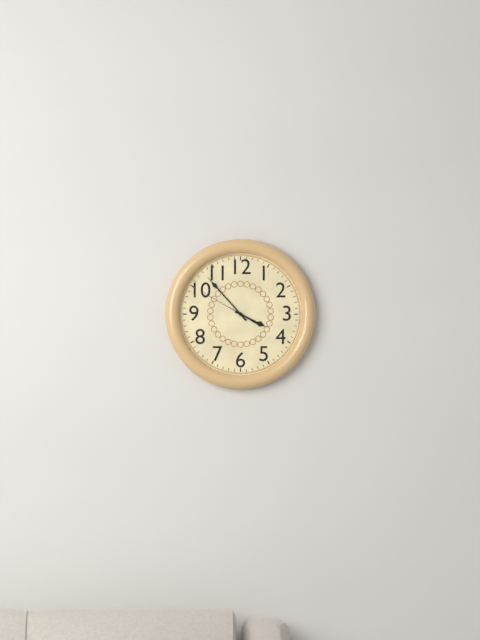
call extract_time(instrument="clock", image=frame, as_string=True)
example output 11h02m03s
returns 3h53m50s
